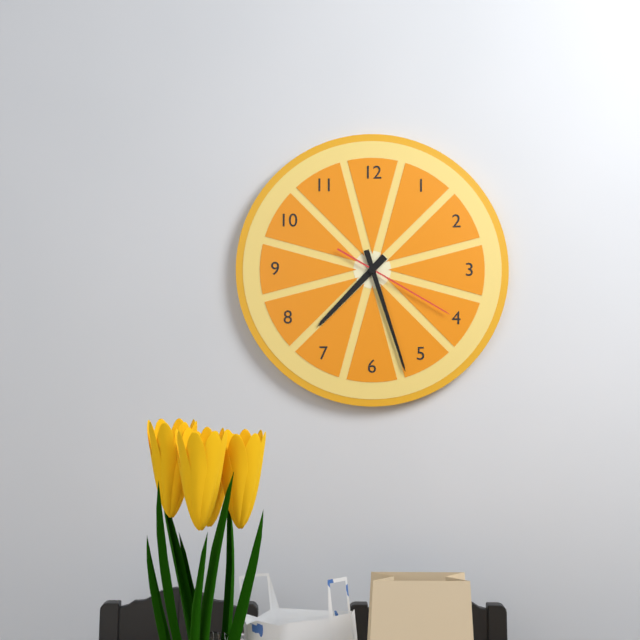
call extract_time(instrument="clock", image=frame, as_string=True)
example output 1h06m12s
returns 7h27m20s
